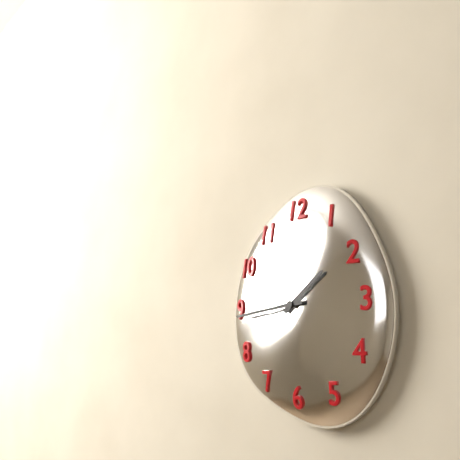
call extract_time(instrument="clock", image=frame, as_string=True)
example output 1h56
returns 1h44
